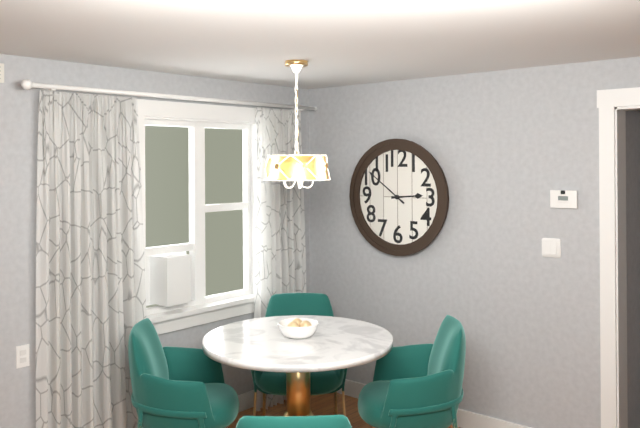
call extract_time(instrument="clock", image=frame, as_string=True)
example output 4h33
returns 2h51
